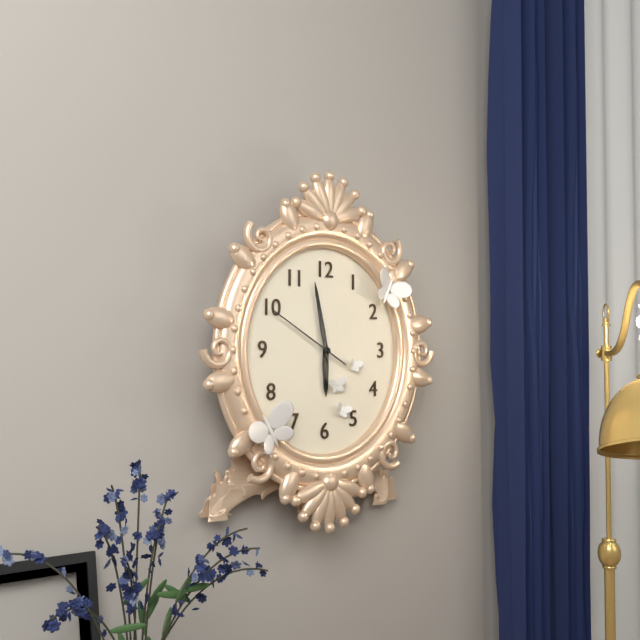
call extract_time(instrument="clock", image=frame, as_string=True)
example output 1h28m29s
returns 5h58m50s
